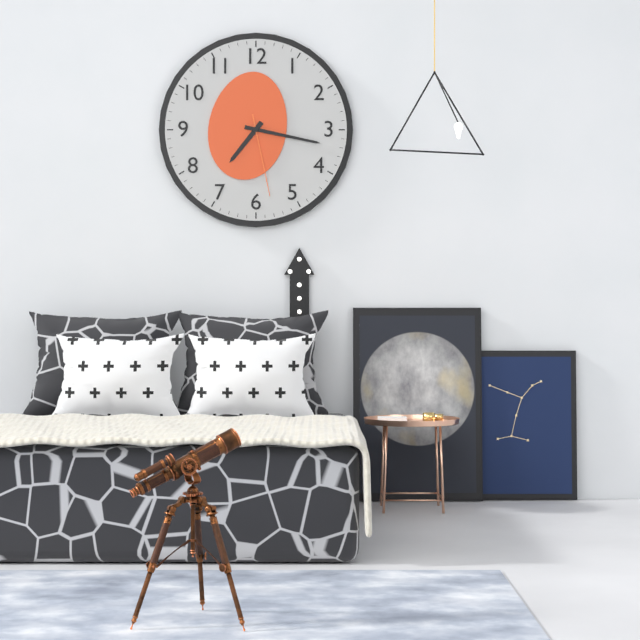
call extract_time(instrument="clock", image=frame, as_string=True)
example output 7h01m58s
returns 7h17m28s
